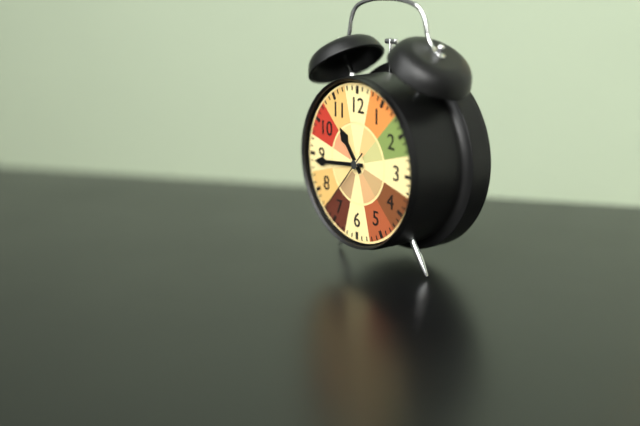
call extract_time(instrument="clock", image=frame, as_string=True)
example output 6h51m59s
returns 10h44m37s
